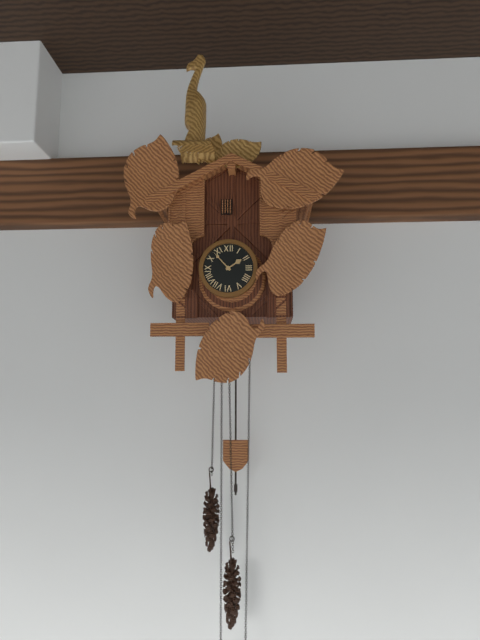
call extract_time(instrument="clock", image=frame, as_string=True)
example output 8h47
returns 1h53
